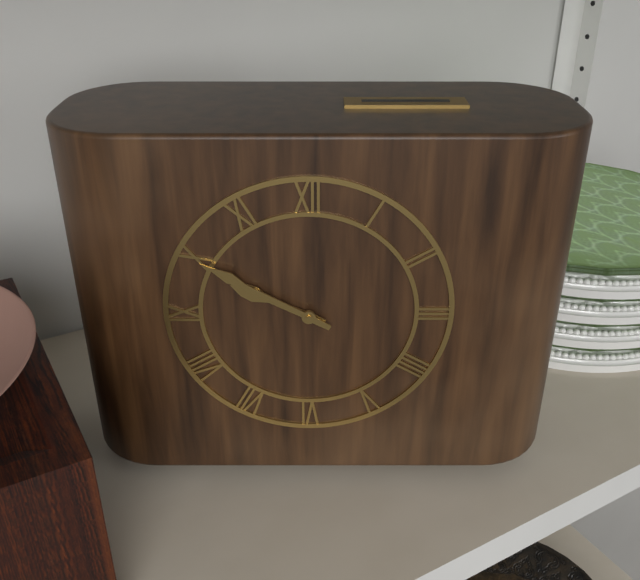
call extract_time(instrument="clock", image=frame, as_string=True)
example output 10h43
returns 9h50
